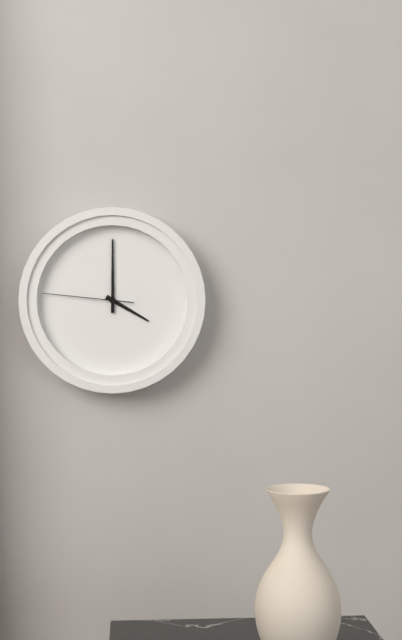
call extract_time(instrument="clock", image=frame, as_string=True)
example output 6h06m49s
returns 4h00m46s
